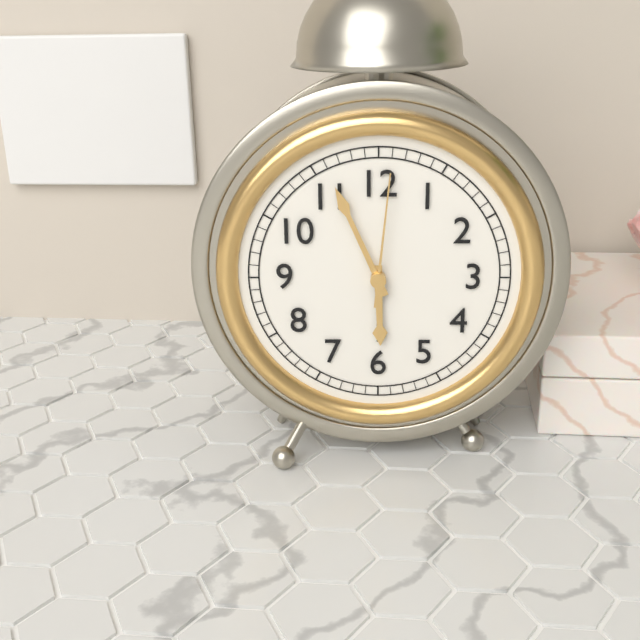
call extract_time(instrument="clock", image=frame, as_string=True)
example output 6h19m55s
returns 5h56m01s
